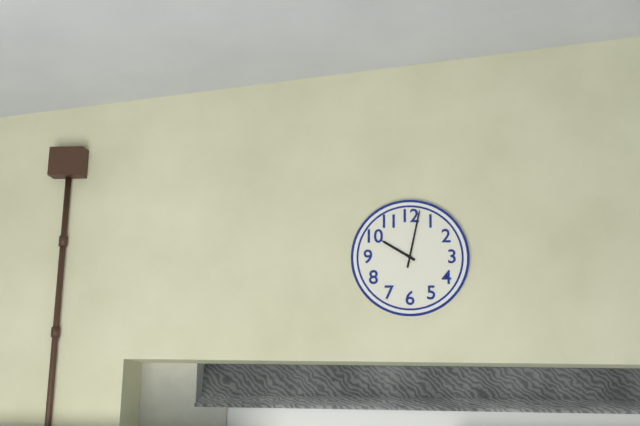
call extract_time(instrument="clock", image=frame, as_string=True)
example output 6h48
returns 10h02
